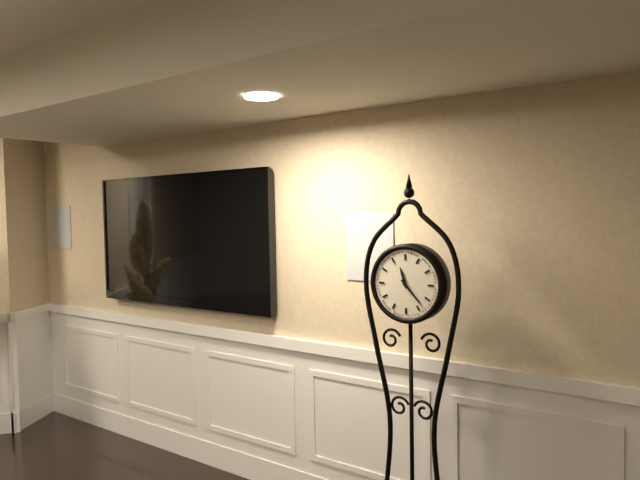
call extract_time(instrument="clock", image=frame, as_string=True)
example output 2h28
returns 11h23
